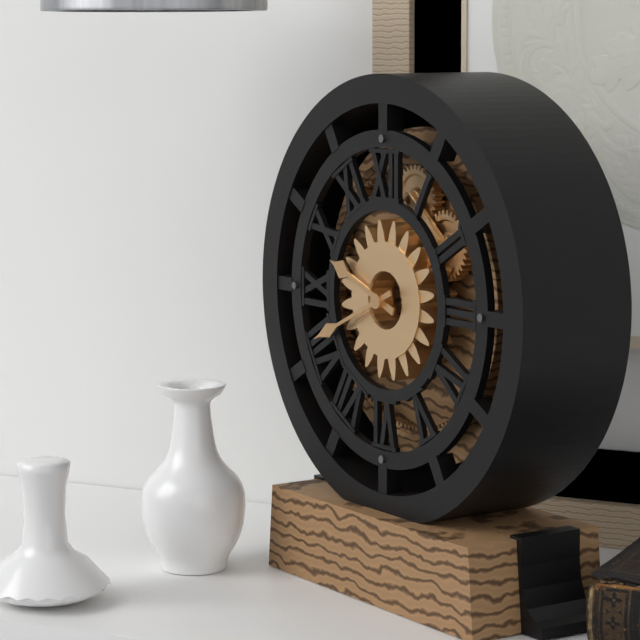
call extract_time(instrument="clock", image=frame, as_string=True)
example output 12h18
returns 9h41
